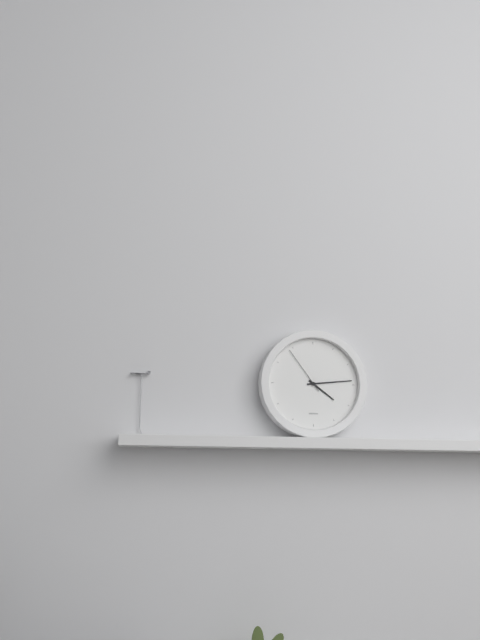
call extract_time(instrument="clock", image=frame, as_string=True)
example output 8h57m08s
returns 4h14m54s
